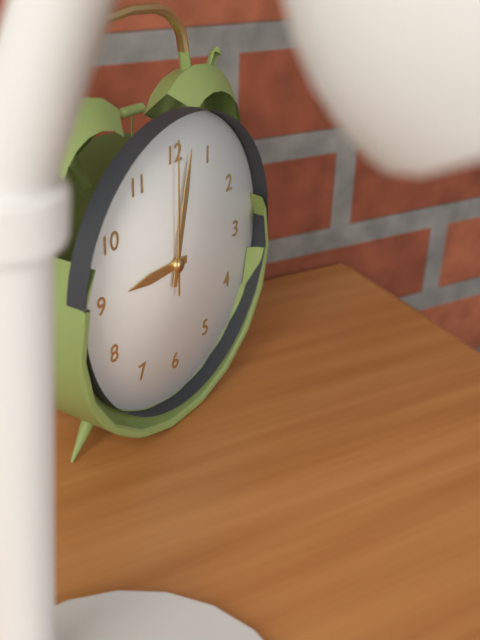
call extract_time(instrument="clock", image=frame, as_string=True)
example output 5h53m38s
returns 9h02m00s
